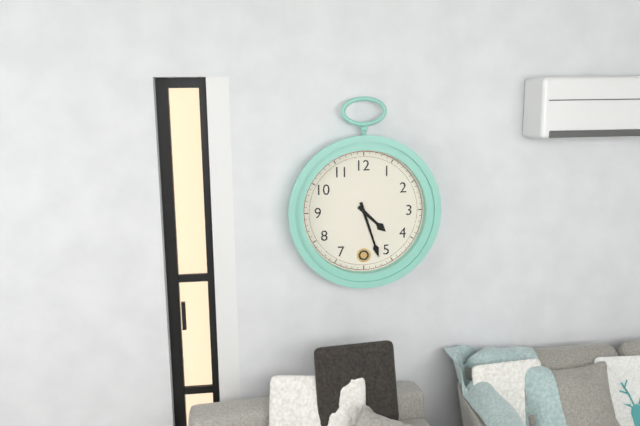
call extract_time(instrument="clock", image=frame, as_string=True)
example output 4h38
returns 4h27
